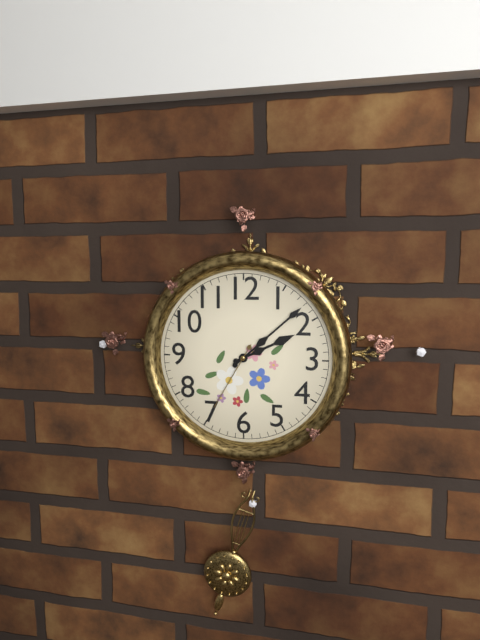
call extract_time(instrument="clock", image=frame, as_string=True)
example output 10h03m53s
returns 2h08m35s
